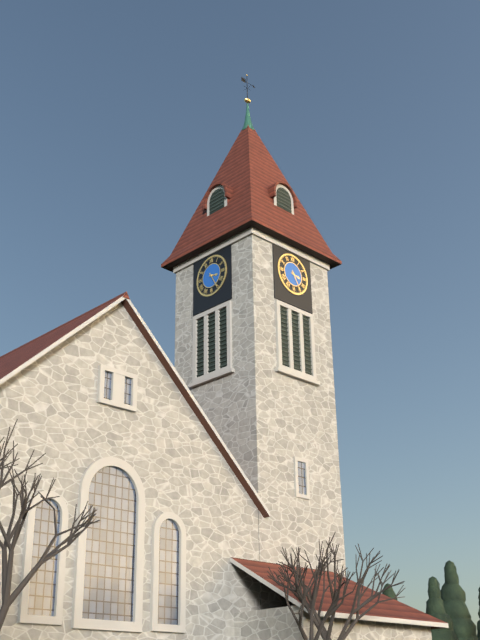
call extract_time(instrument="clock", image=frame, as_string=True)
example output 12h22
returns 3h25
